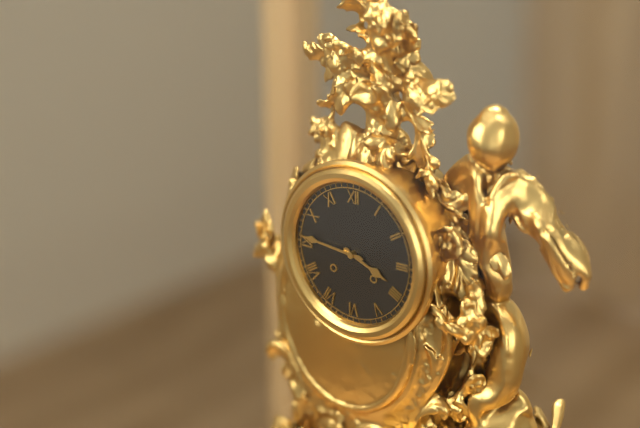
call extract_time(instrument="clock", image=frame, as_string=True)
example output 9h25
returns 3h46
